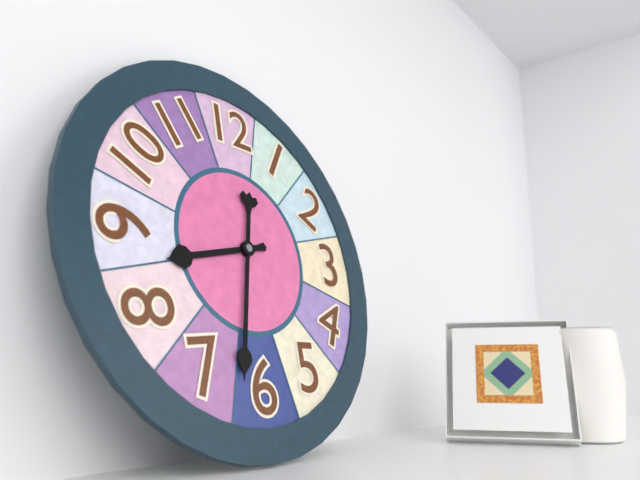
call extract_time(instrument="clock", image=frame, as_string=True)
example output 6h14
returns 8h32
